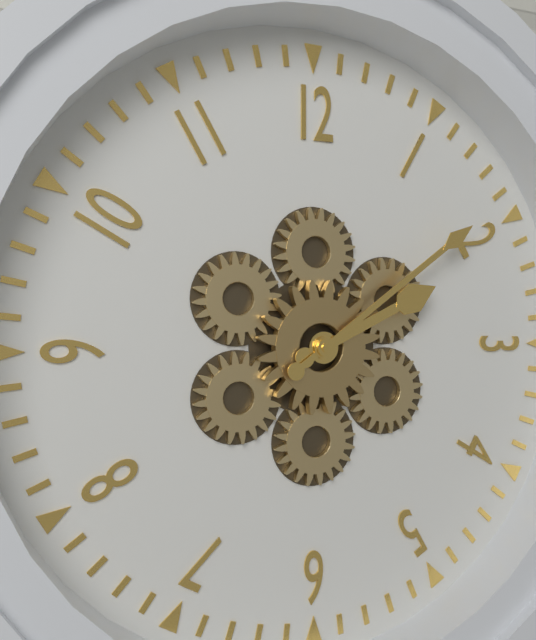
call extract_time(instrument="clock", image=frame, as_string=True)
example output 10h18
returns 2h09
